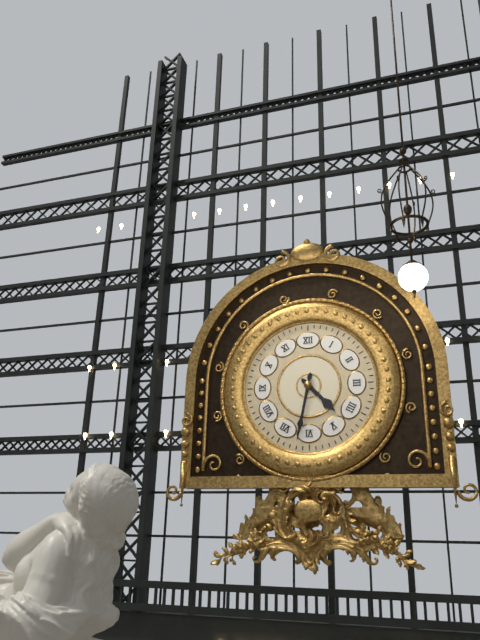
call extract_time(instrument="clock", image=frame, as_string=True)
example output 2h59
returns 4h32
